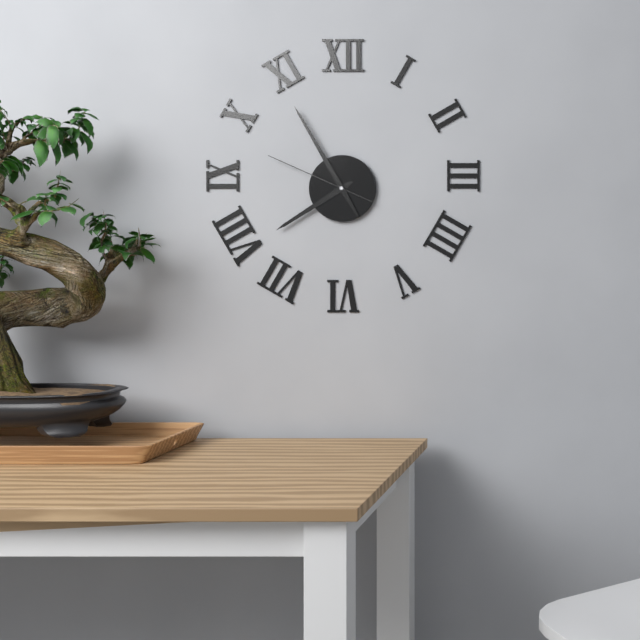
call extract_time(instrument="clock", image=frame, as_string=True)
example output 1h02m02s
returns 7h55m49s
